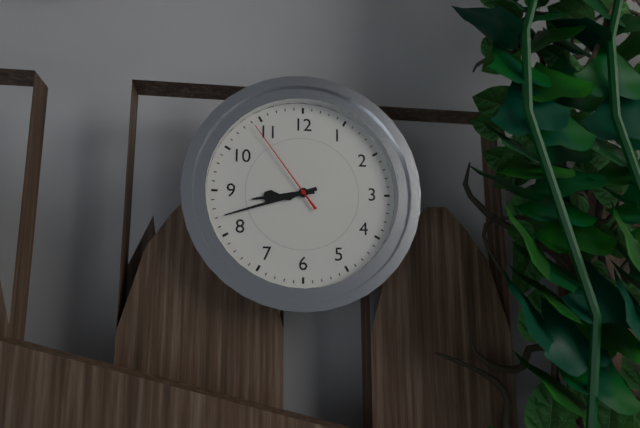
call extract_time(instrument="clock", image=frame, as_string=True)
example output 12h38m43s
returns 8h42m54s
